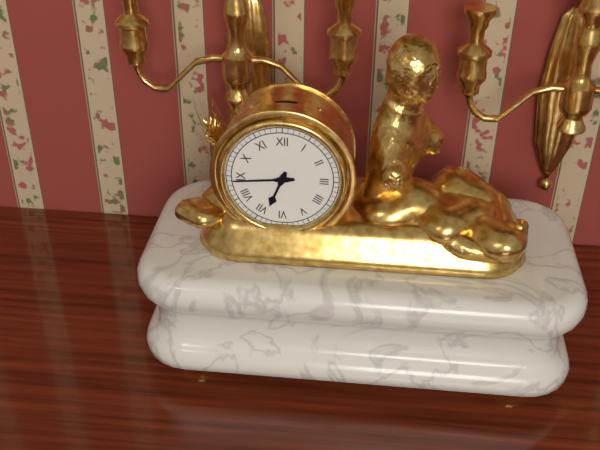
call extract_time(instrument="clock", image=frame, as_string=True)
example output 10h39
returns 6h44
